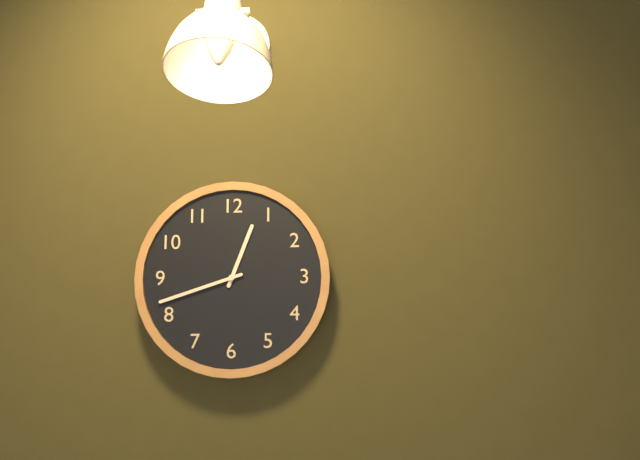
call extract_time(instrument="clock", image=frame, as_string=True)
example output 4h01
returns 12h42
